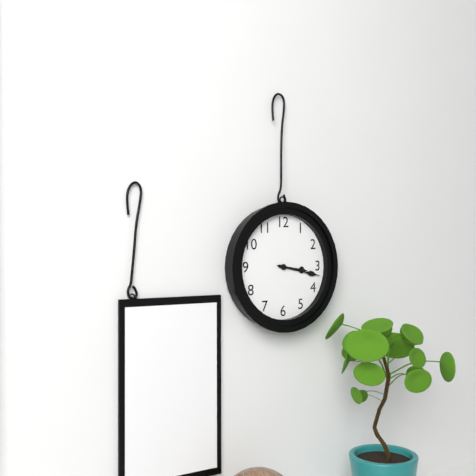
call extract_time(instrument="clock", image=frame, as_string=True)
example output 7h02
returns 3h17
